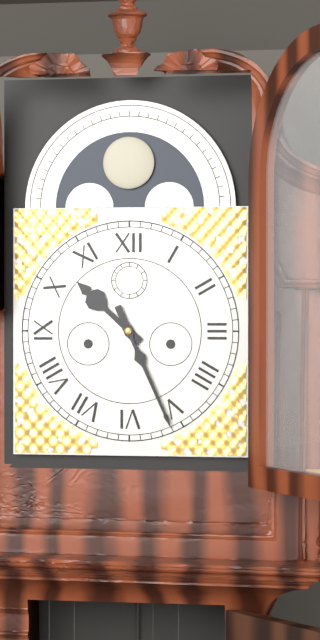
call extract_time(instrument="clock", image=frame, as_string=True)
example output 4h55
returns 10h26
